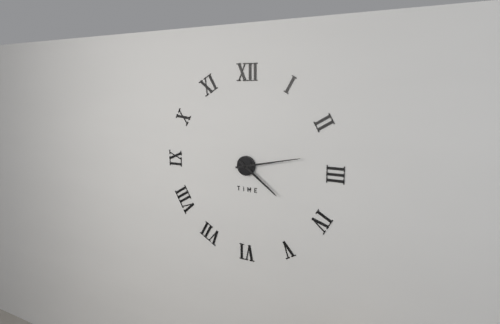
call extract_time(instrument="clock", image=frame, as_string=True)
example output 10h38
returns 4h13
